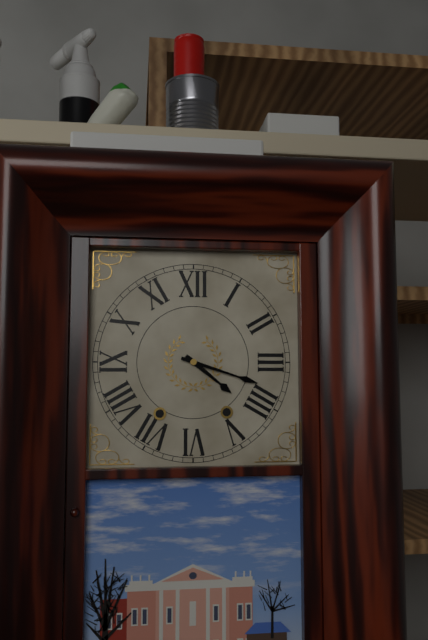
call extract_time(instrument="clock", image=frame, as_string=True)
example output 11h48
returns 4h18
